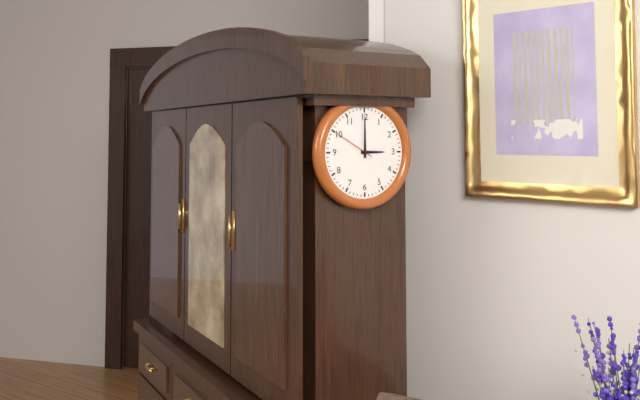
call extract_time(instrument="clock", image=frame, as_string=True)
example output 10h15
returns 3h00
